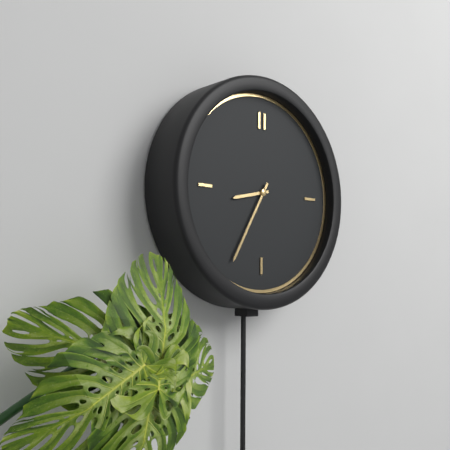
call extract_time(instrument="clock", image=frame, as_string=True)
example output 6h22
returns 8h35
